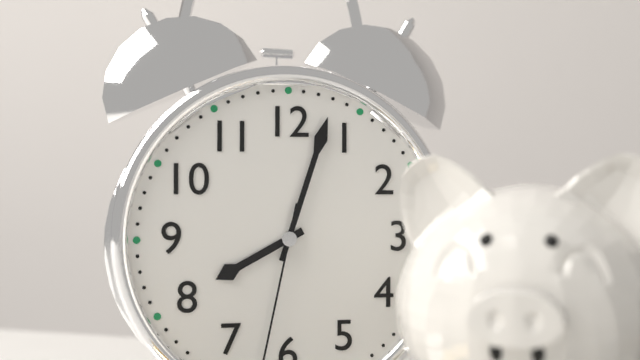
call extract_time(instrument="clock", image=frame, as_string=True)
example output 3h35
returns 8h03
